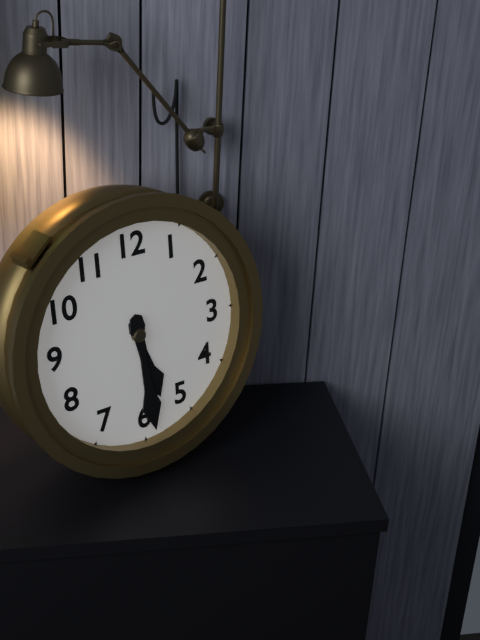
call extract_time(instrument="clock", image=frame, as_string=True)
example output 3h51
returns 5h29
